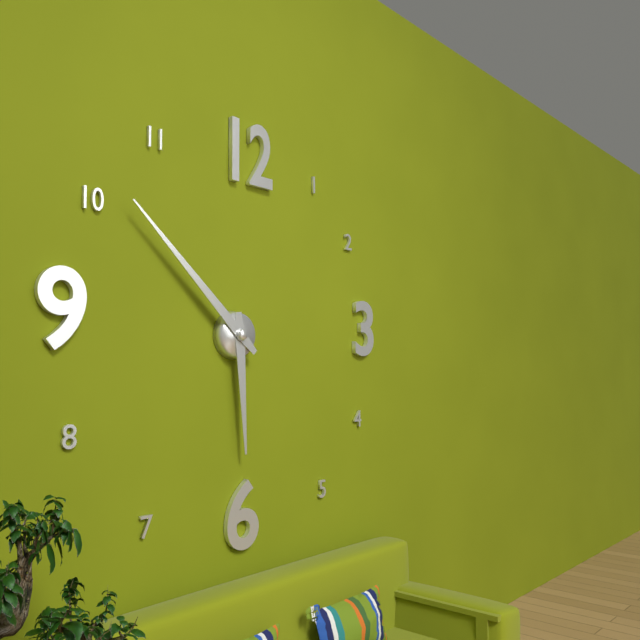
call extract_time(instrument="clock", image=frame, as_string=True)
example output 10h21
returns 5h52
